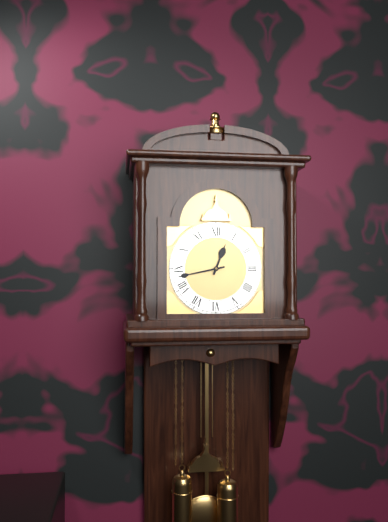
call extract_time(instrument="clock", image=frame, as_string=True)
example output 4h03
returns 12h43
